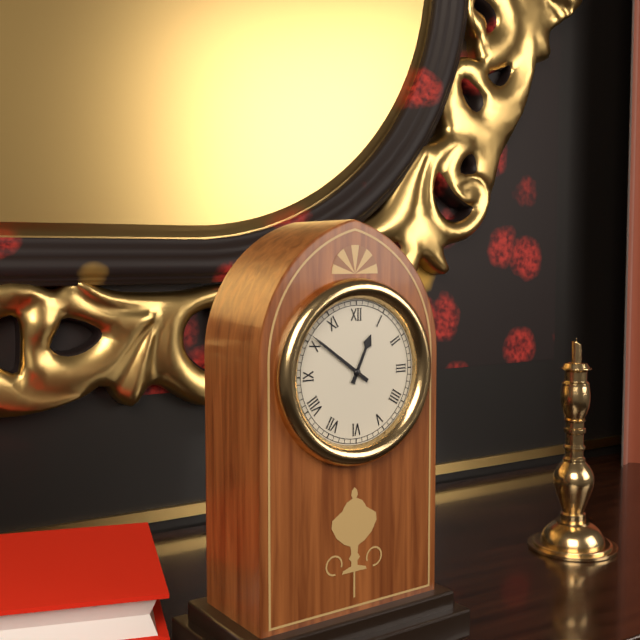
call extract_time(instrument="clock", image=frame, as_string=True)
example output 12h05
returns 12h51
